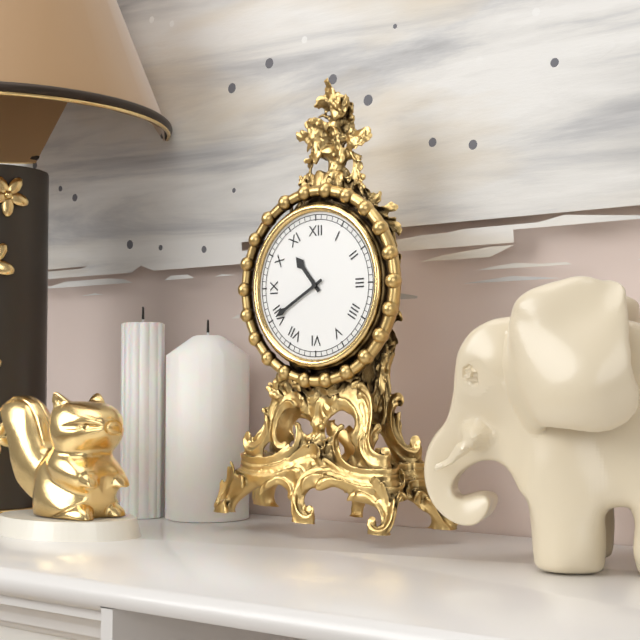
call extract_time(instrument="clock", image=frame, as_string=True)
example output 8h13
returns 10h40
